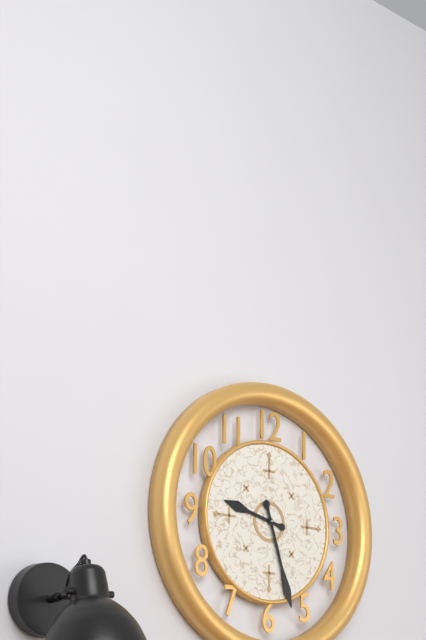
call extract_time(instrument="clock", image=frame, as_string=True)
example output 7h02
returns 9h27
